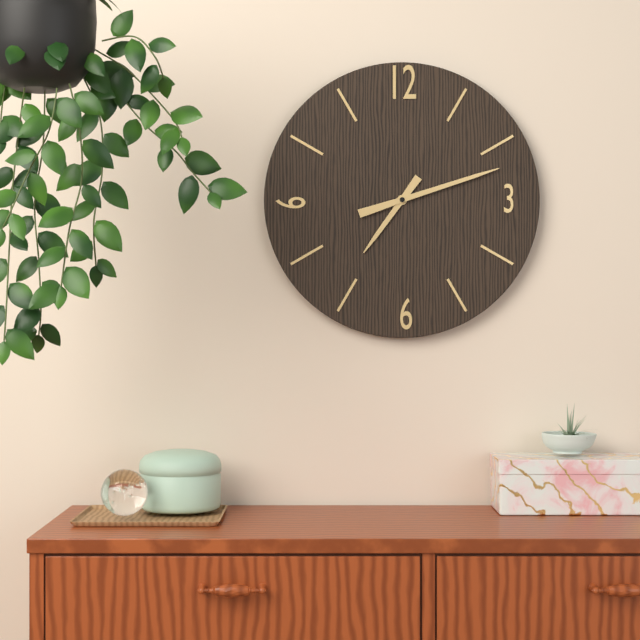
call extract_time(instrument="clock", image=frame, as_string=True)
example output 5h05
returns 7h12
